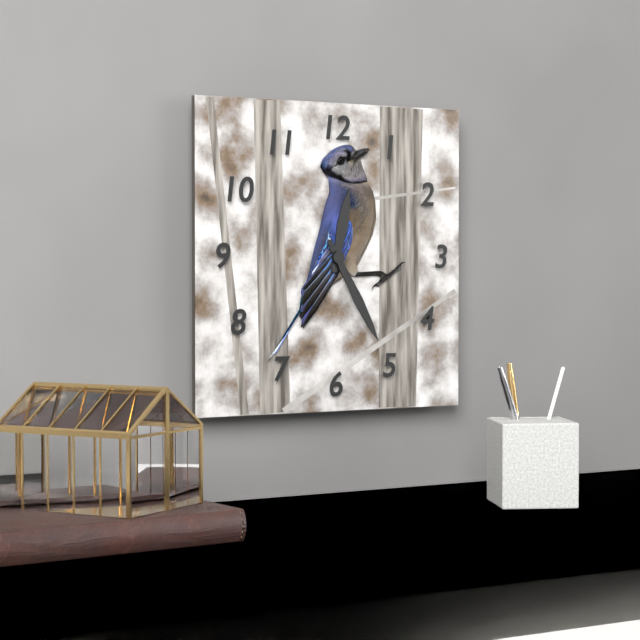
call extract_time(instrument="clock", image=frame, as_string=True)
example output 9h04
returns 12h25
